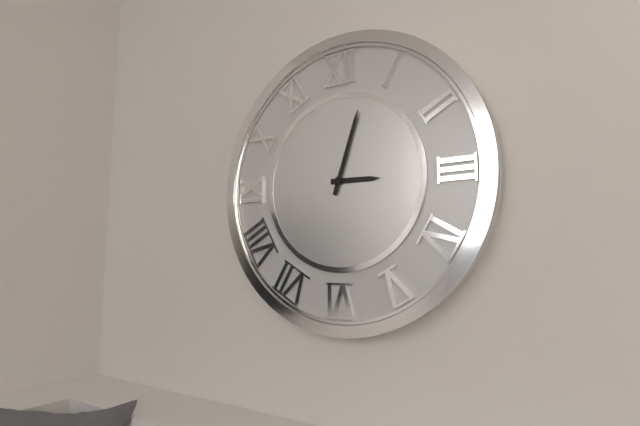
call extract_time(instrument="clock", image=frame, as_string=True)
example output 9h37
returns 3h03
